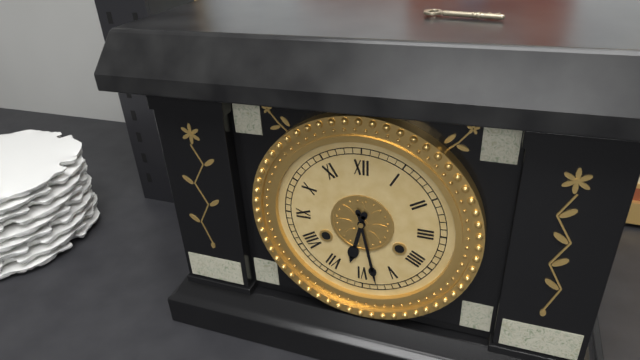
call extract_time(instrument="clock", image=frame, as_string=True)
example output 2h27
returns 6h28
